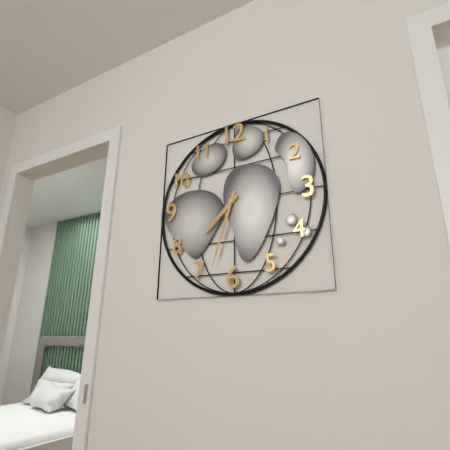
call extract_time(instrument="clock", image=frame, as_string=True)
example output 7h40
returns 7h33
